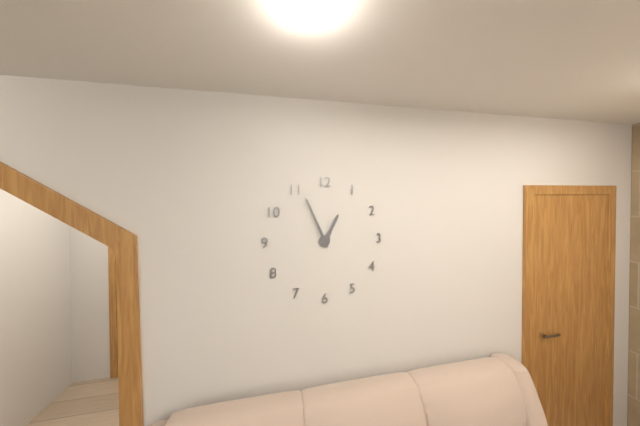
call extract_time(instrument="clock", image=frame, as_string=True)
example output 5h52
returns 12h56
